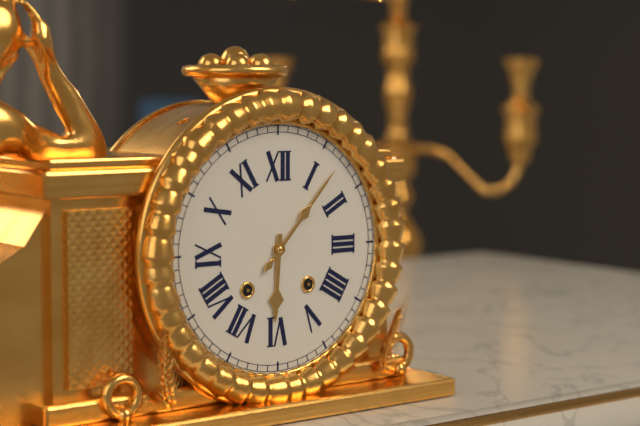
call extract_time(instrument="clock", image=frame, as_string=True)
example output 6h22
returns 6h07
